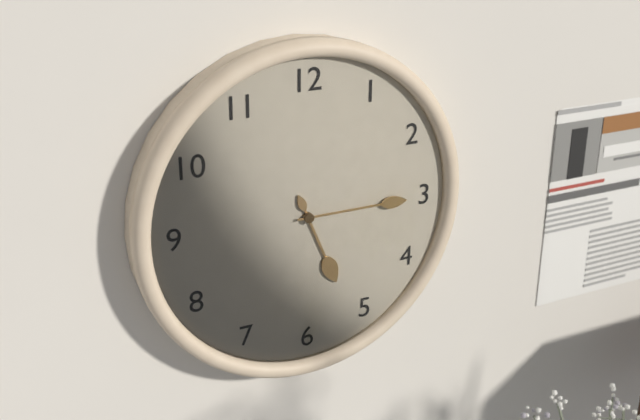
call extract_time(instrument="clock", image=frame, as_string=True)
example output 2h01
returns 5h15
